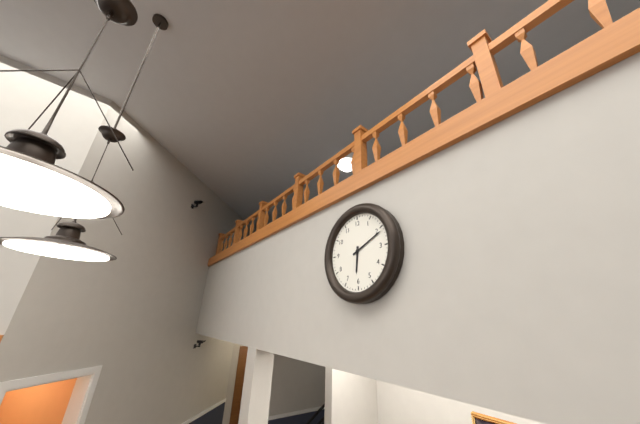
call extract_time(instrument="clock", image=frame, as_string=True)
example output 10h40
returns 6h11
